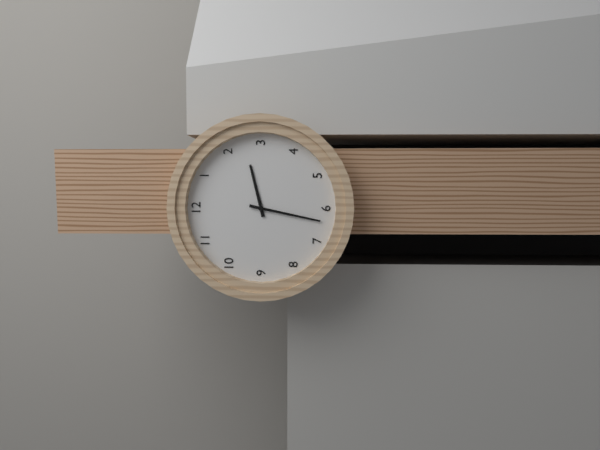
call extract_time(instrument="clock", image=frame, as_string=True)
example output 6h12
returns 2h32
